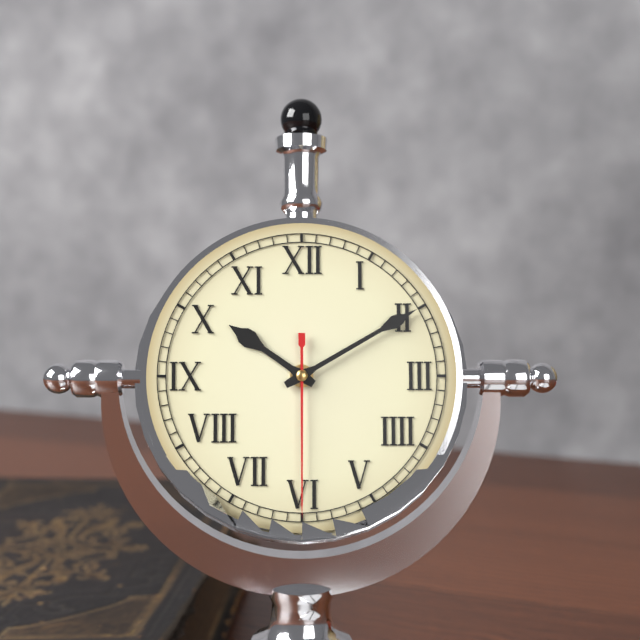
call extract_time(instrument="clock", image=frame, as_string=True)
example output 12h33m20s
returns 10h10m30s
